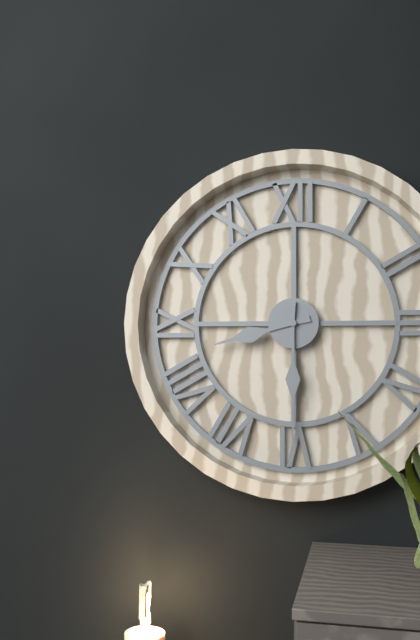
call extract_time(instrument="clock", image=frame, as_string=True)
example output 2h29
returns 8h30
